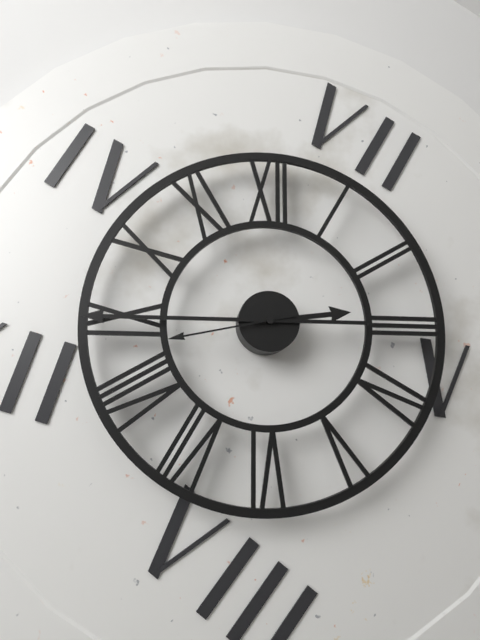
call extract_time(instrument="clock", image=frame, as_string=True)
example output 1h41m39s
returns 2h45m43s
